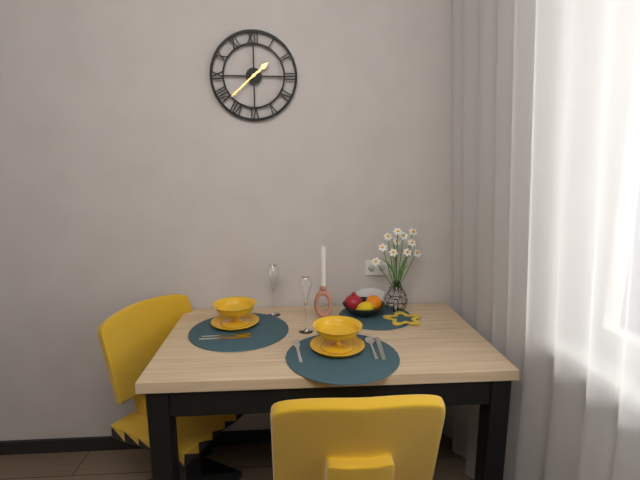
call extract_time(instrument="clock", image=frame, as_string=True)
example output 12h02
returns 1h38
